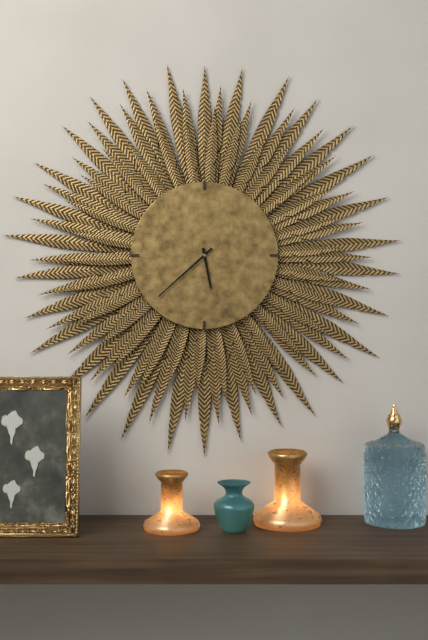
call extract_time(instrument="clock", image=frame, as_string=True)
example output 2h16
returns 5h38
